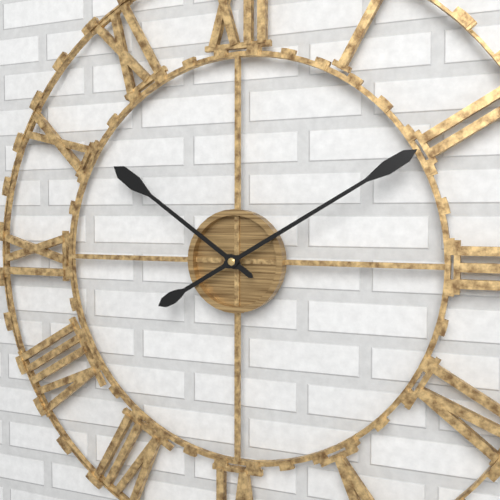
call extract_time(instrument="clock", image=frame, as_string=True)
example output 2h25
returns 10h10
